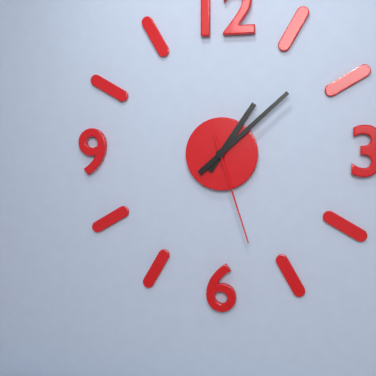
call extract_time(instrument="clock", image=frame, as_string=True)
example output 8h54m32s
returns 1h08m27s
